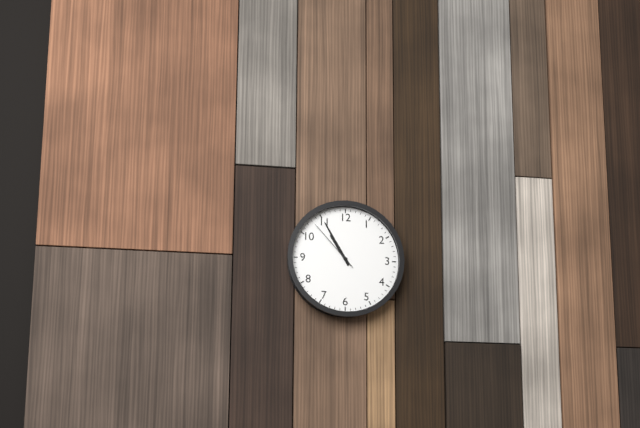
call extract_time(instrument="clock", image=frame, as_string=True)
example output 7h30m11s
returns 10h55m53s
